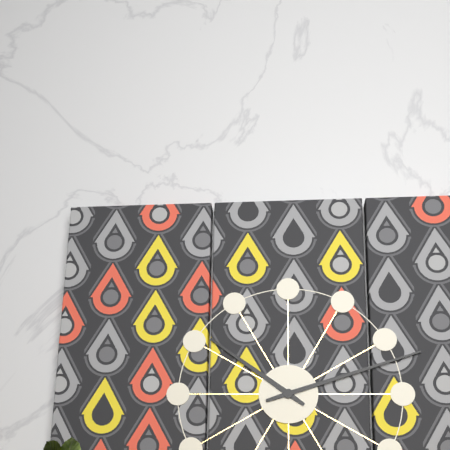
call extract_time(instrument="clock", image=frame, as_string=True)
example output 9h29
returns 10h12
